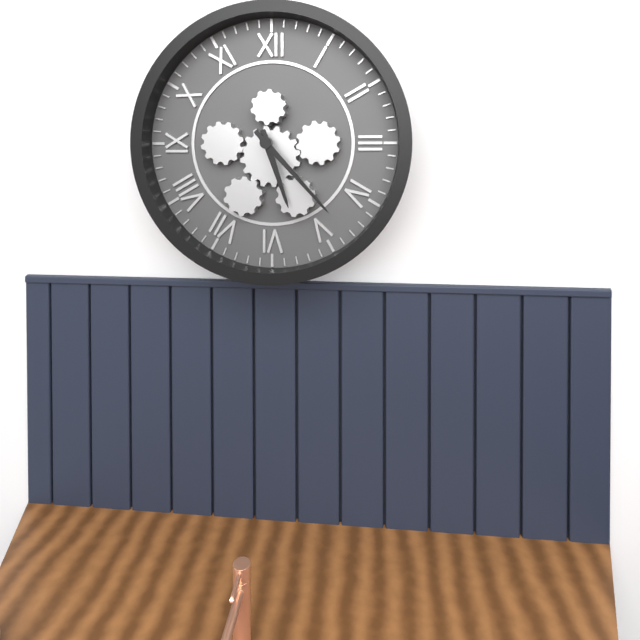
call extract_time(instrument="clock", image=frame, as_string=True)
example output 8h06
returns 5h23
